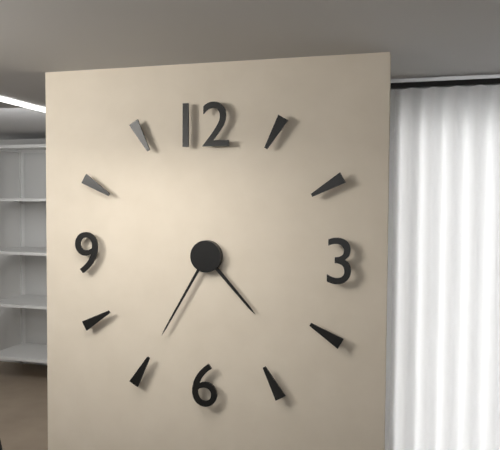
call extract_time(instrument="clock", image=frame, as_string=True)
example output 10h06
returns 4h35
